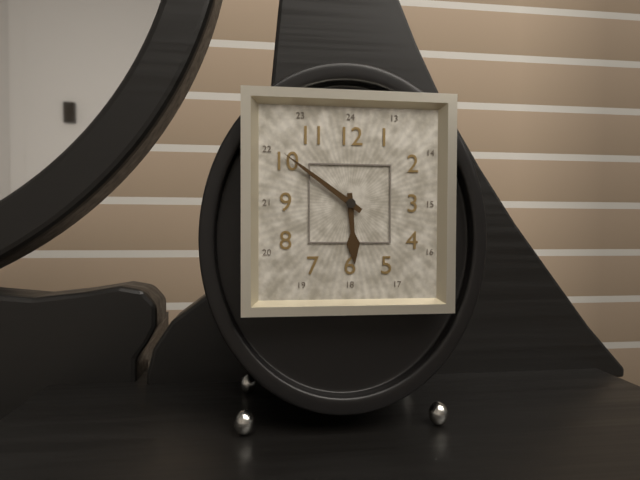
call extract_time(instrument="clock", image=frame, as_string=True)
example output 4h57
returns 5h51
